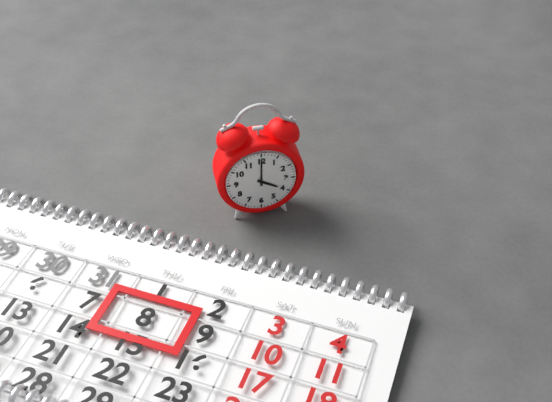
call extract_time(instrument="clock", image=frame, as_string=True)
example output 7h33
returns 4h00
